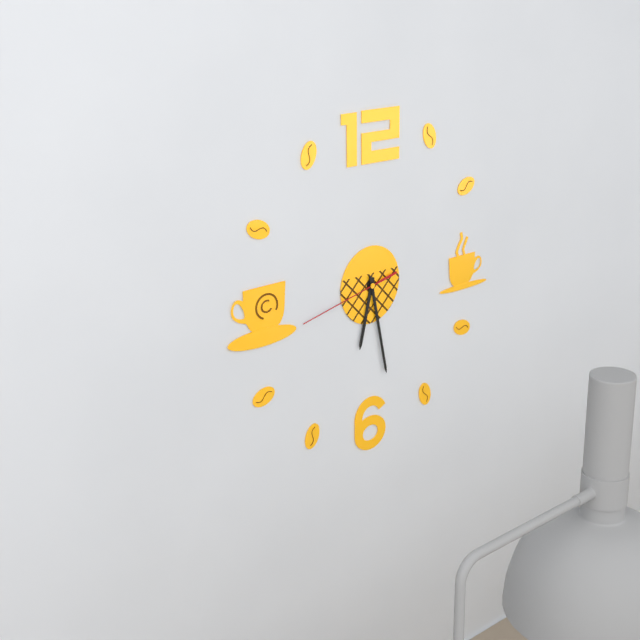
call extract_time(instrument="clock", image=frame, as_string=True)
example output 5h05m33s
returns 6h28m43s
